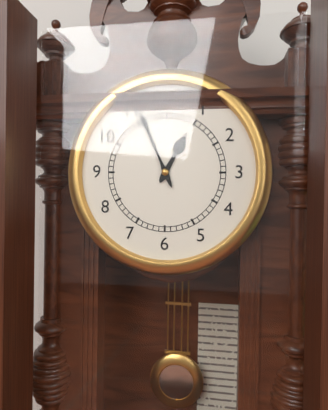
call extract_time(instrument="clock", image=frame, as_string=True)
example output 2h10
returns 12h56
